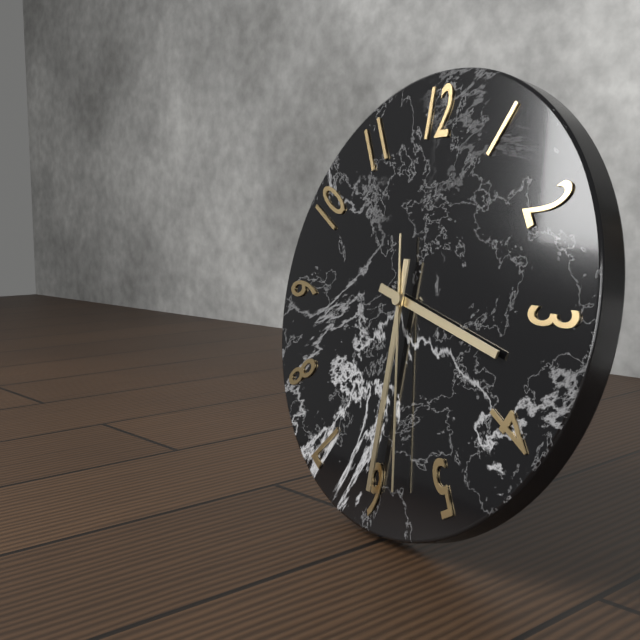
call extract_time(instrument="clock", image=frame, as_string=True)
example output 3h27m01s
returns 3h30m28s
